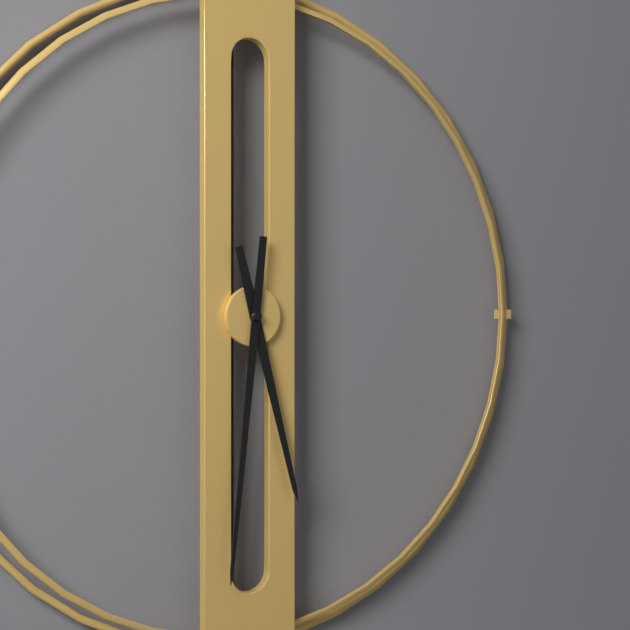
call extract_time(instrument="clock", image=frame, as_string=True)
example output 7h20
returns 5h31
